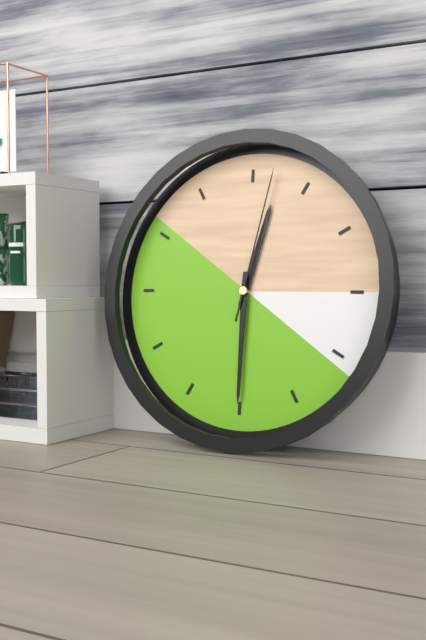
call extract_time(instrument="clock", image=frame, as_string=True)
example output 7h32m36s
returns 12h30m02s
